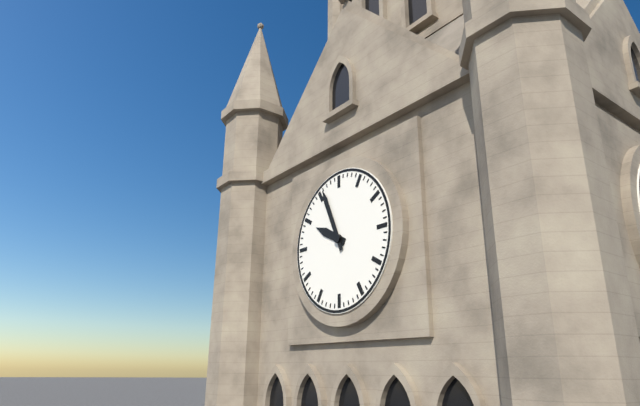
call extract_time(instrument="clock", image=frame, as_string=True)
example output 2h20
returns 9h56
